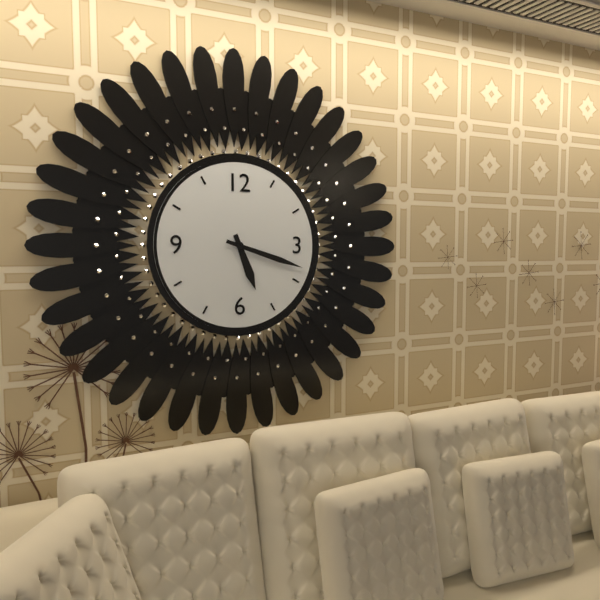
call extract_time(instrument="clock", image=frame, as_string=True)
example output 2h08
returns 5h18
